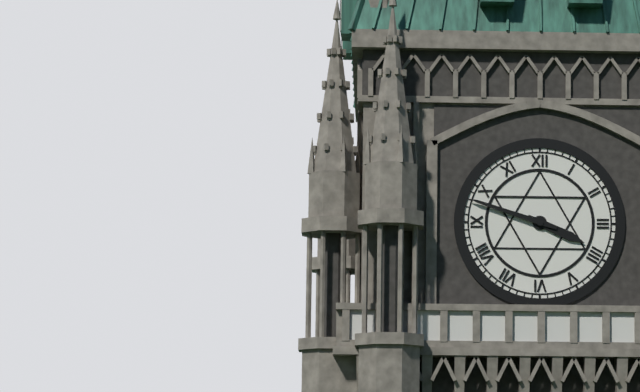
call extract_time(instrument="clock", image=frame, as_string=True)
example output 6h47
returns 3h48
